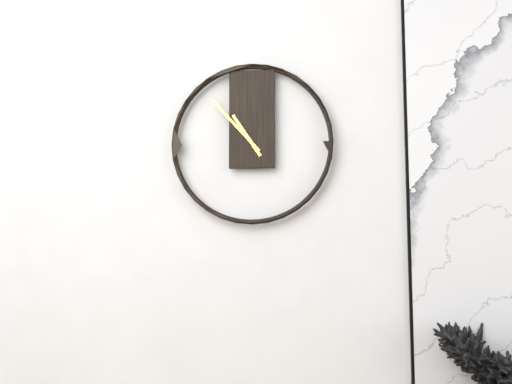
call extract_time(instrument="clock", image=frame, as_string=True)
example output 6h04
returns 10h53
